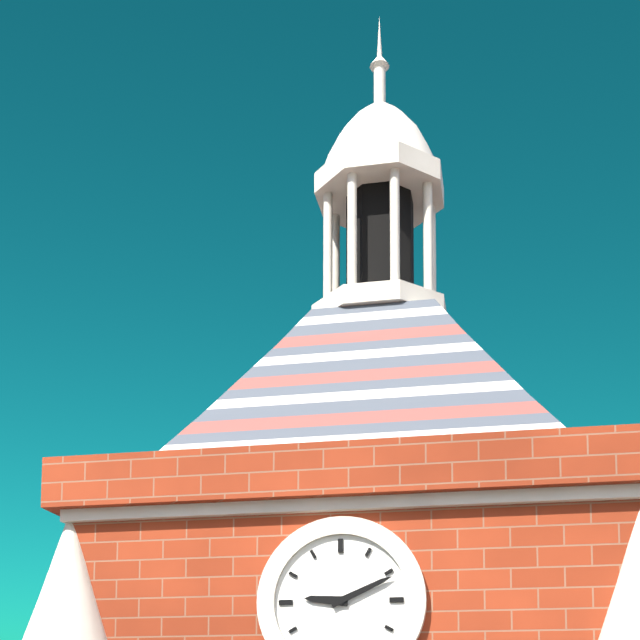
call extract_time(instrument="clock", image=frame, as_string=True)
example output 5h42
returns 9h11
